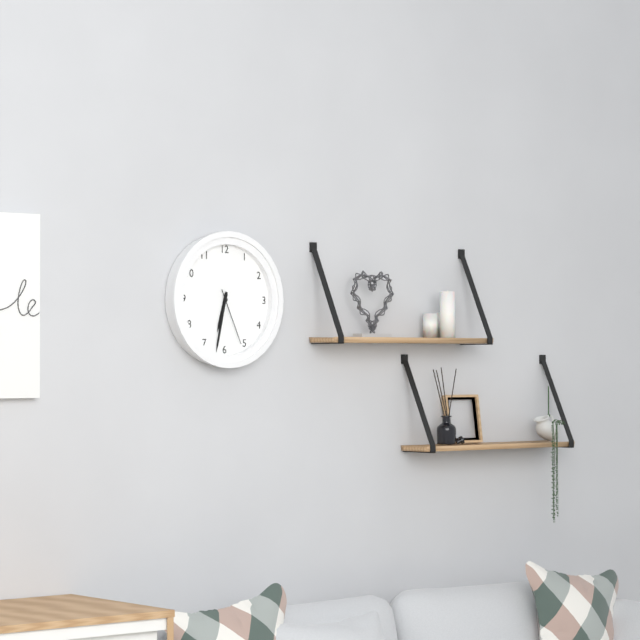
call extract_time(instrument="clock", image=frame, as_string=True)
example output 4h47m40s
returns 6h32m26s
